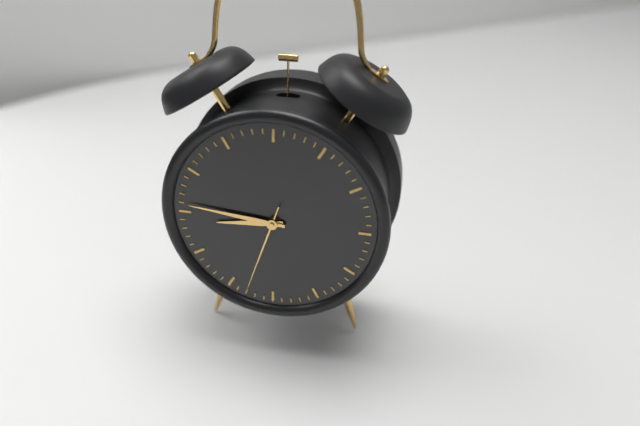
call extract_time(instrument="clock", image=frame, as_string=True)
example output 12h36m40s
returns 8h46m33s
